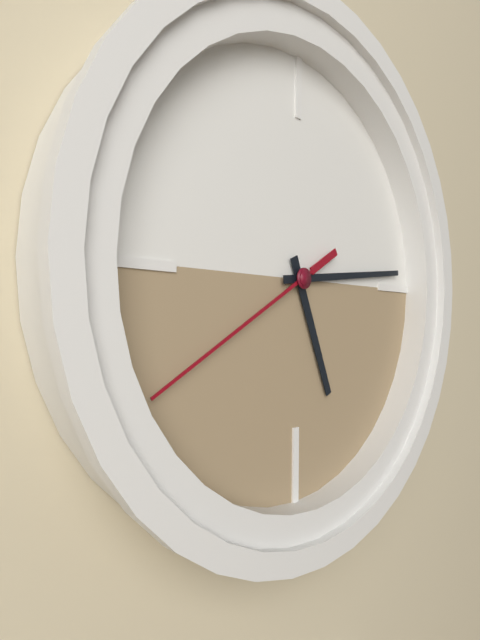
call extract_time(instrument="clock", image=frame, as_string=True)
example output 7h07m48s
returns 5h14m40s
